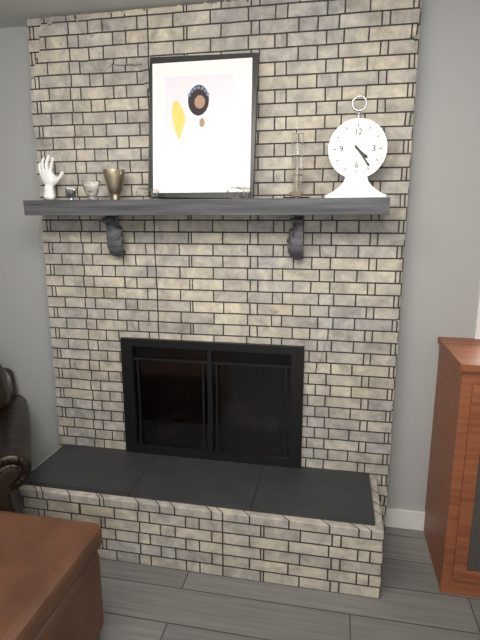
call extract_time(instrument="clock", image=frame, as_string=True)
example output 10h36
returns 4h24
